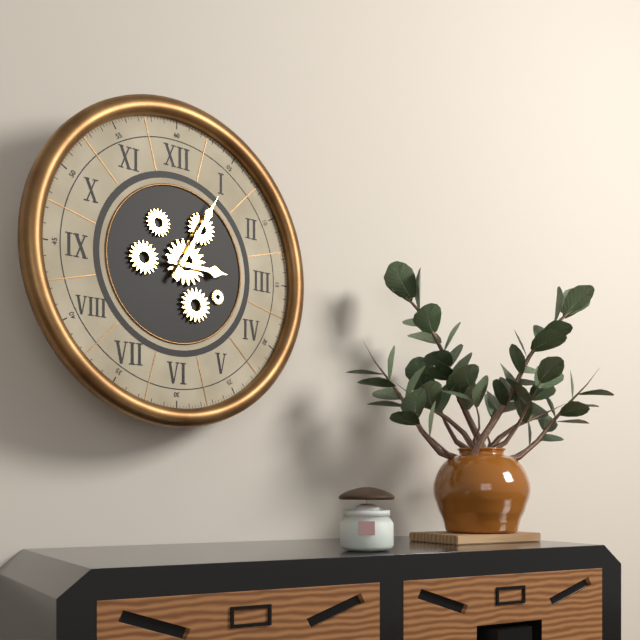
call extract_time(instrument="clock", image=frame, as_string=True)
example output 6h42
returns 3h05
